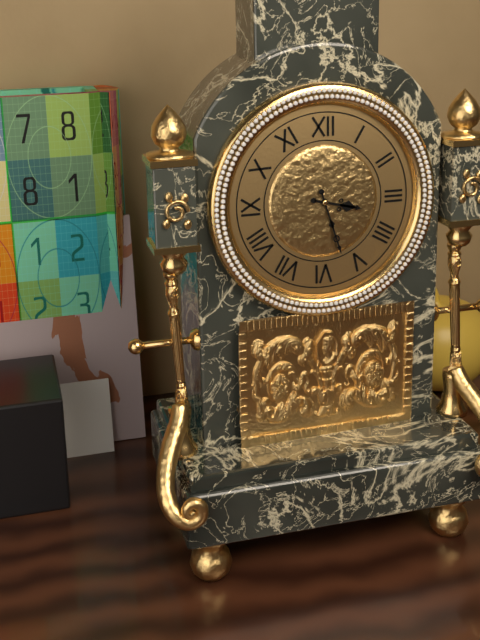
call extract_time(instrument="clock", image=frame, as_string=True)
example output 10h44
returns 3h27
